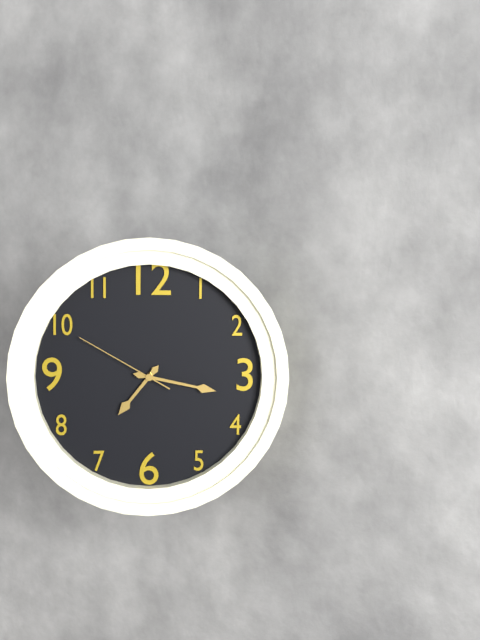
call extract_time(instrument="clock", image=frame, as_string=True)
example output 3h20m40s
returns 7h17m50s
